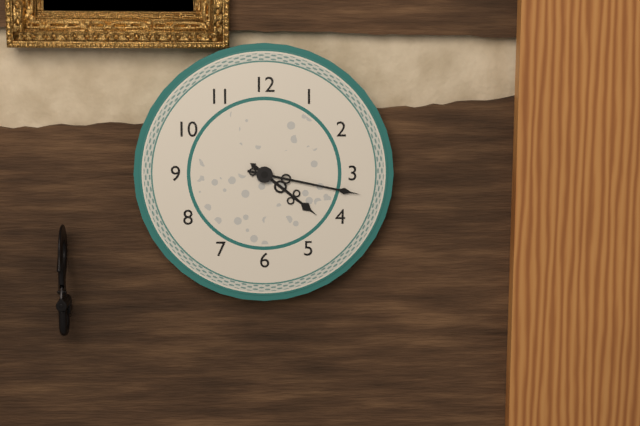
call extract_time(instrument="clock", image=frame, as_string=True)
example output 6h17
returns 4h17
